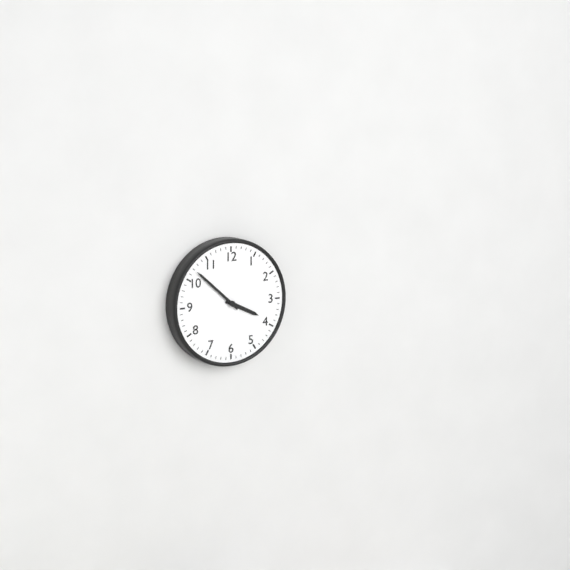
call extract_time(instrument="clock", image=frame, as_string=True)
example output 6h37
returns 3h52
